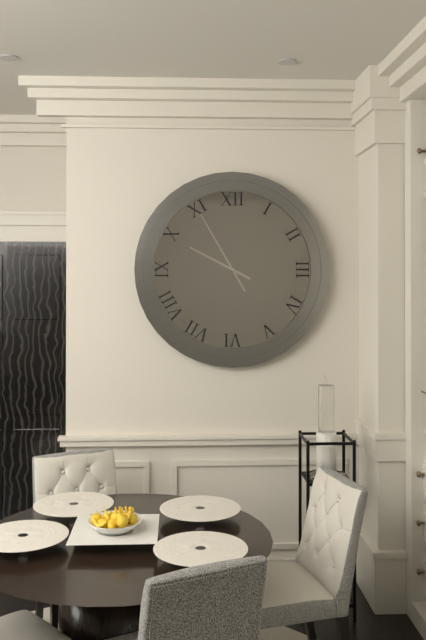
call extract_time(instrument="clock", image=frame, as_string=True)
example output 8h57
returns 9h55
